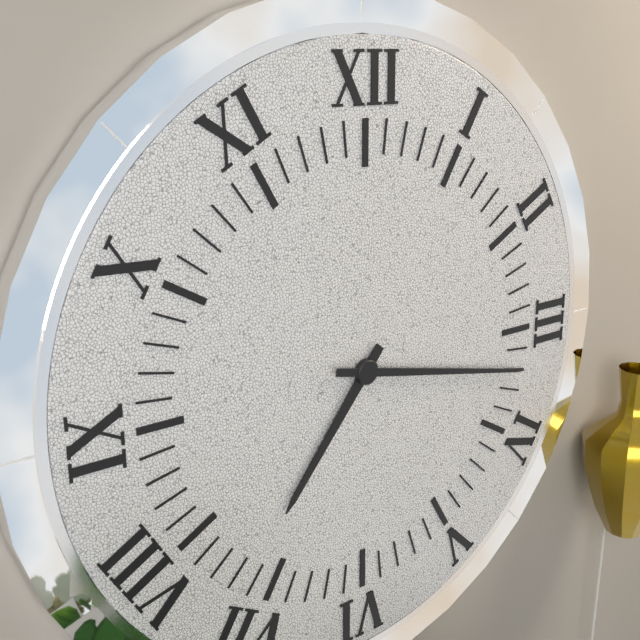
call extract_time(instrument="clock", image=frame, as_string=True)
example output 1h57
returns 7h17
